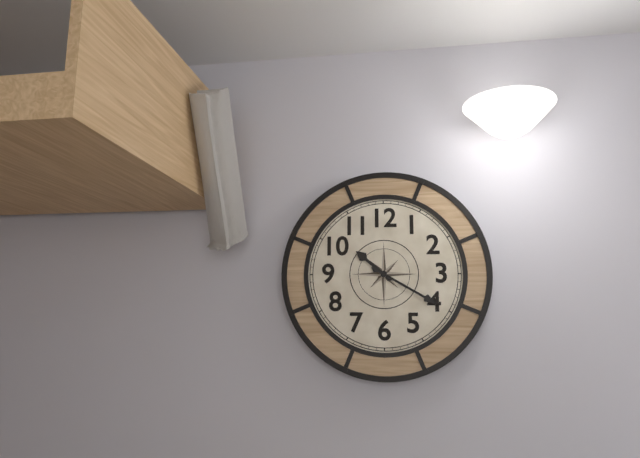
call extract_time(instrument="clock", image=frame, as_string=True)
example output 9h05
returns 10h20
